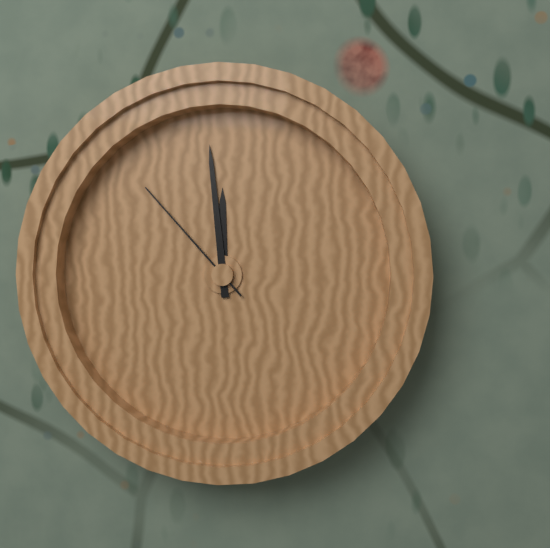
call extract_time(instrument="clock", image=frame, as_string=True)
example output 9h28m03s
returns 11h59m53s
